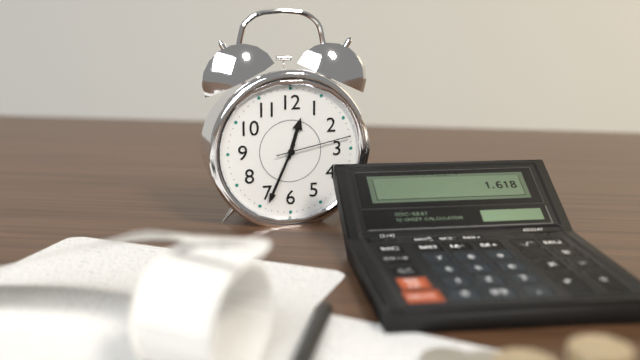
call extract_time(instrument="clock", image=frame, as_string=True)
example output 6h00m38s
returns 12h34m13s
